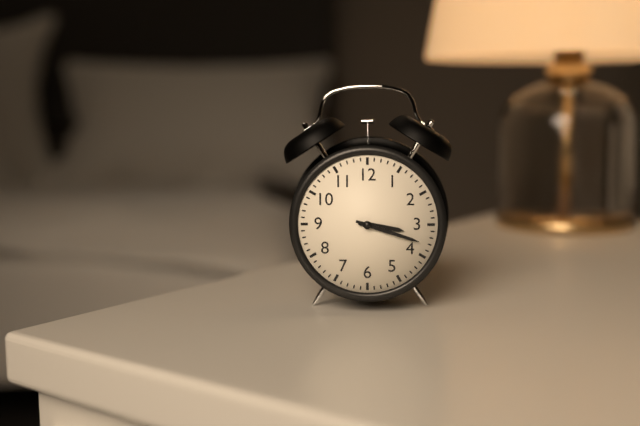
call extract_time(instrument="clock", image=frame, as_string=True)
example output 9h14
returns 3h18
